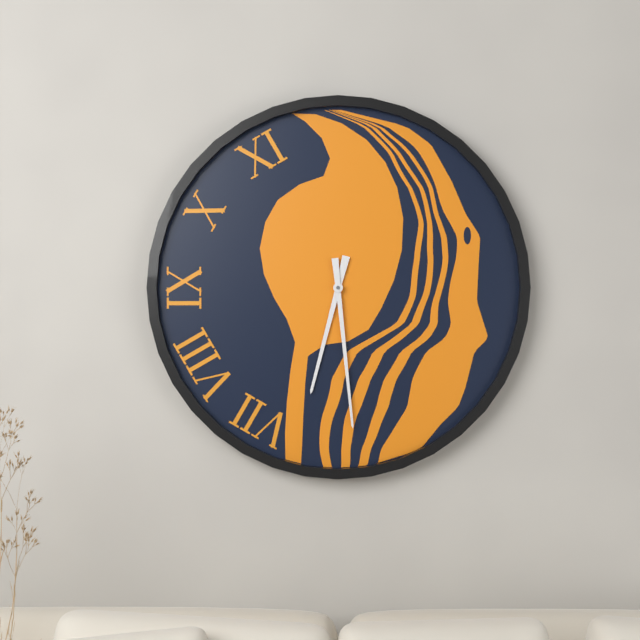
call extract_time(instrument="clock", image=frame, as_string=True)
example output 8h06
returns 6h29
